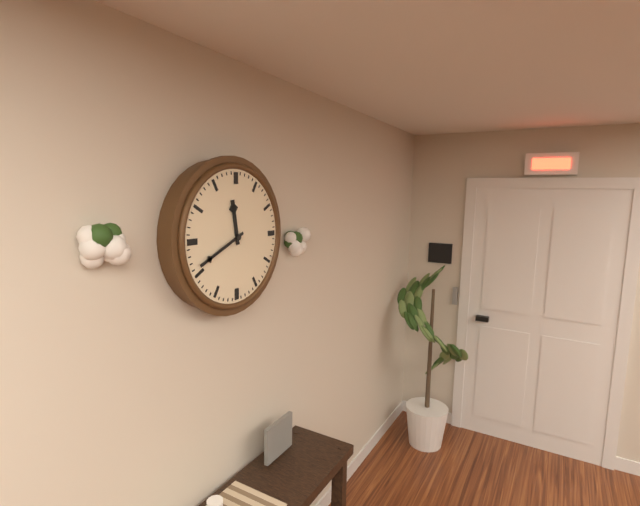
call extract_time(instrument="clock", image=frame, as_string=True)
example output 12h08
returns 11h41
